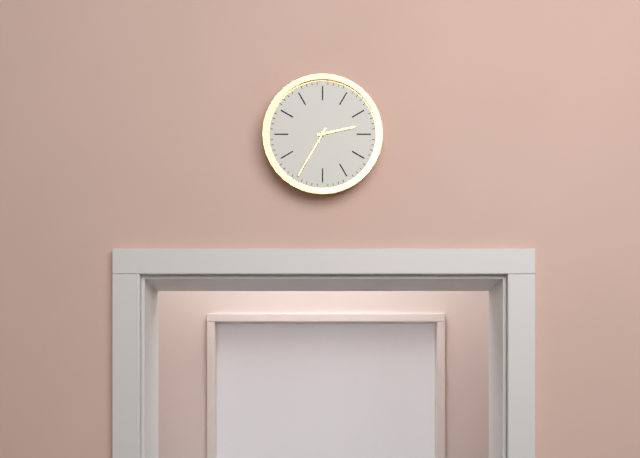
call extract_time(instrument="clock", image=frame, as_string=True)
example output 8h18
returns 2h35
